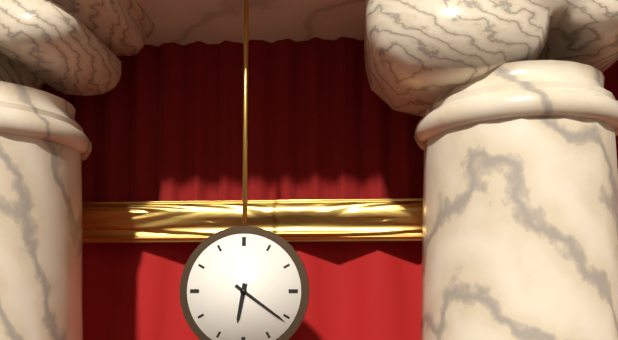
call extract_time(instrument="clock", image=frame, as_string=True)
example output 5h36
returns 6h21
